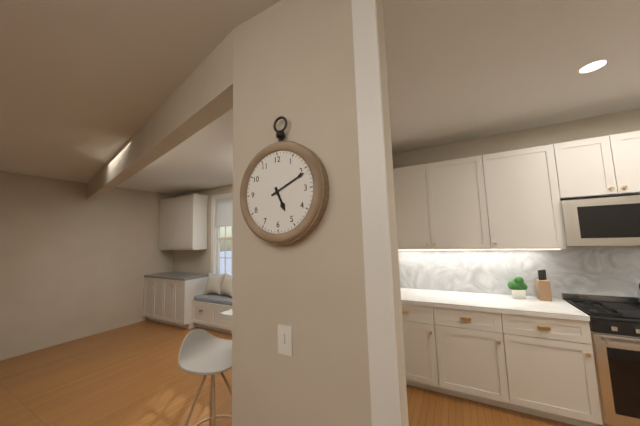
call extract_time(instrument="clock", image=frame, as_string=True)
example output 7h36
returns 5h11
